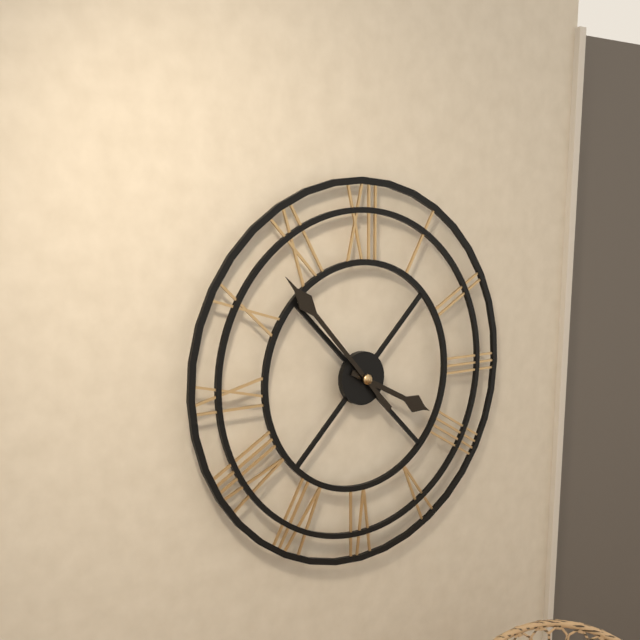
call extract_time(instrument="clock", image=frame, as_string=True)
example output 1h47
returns 3h53
